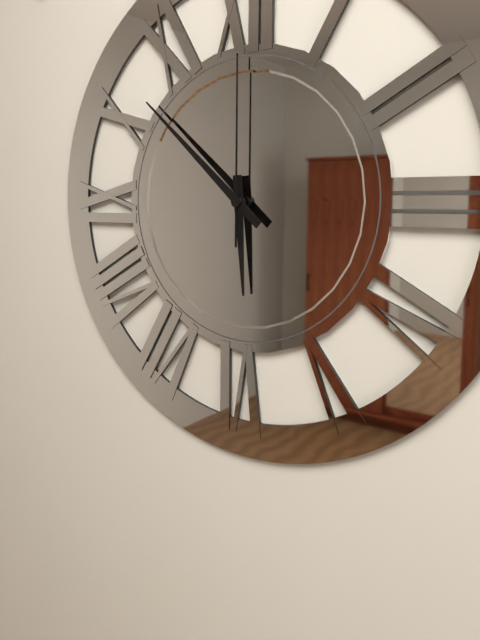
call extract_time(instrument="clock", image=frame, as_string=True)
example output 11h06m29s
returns 5h52m00s
